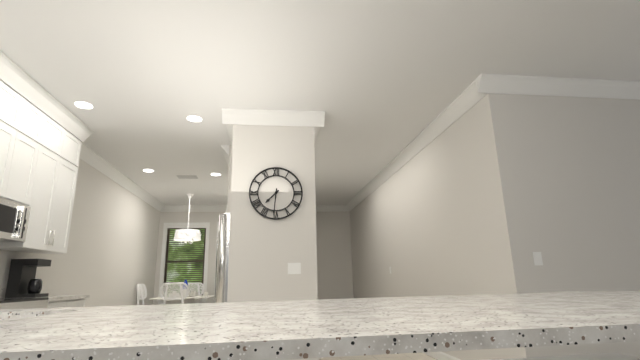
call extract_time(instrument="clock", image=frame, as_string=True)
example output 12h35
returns 7h31
